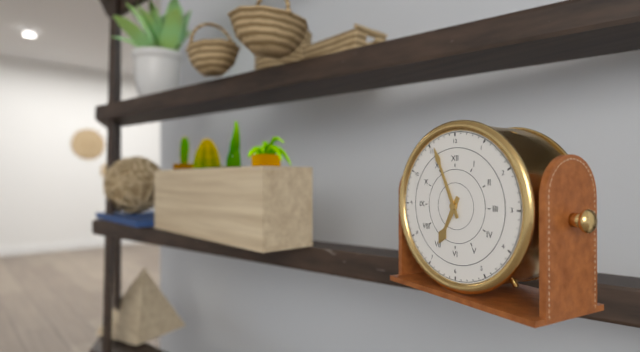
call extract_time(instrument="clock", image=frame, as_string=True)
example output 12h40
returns 6h56
